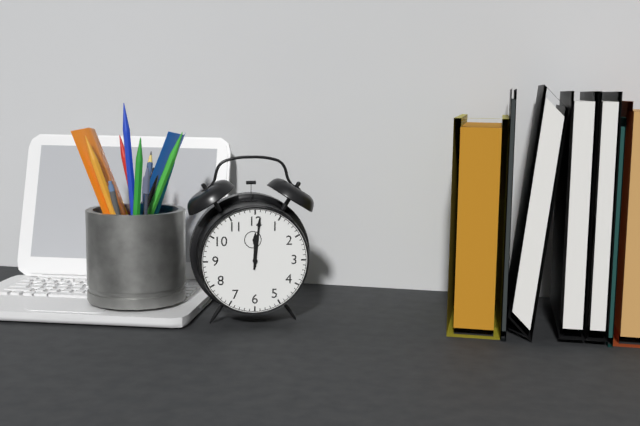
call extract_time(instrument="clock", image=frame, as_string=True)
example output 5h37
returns 12h01
